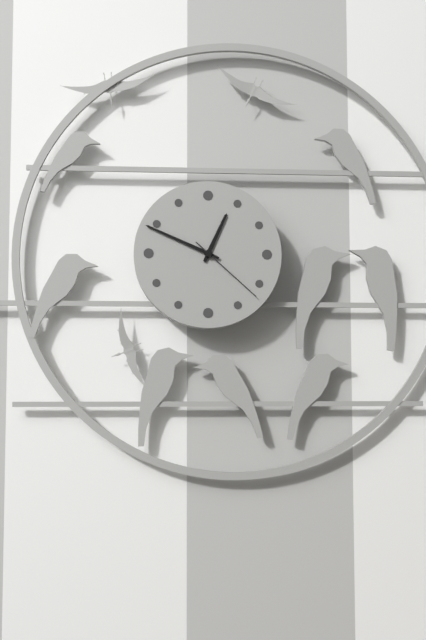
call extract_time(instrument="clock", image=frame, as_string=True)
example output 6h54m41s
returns 12h49m22s
